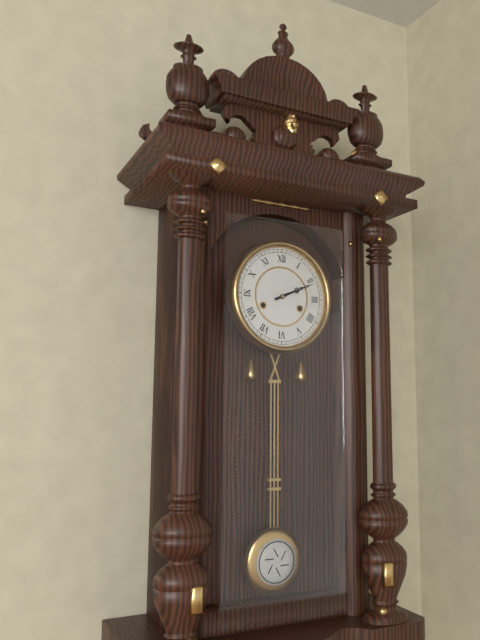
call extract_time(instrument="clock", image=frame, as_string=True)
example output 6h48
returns 2h11
